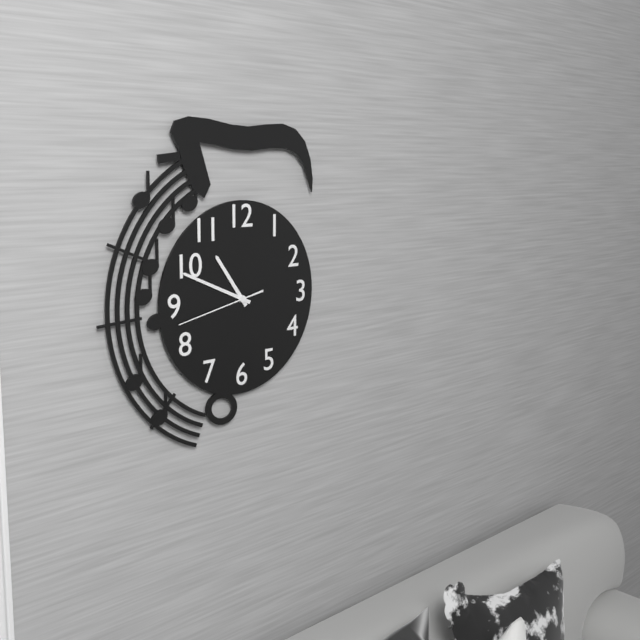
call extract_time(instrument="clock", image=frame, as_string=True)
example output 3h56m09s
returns 10h49m43s
